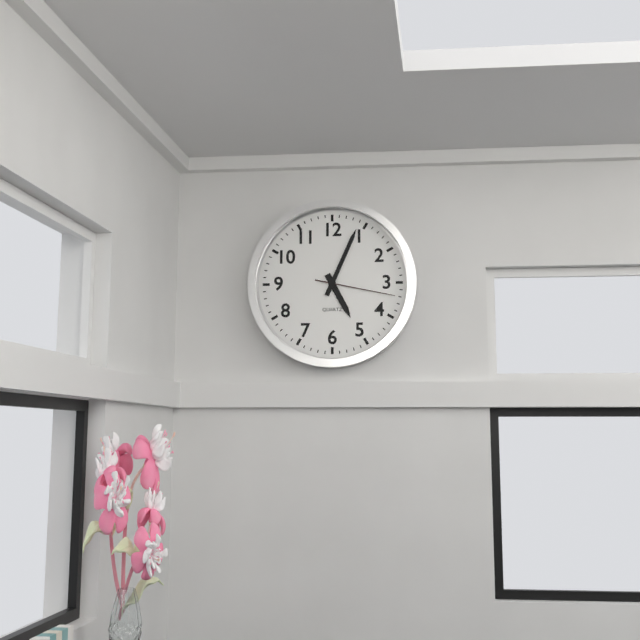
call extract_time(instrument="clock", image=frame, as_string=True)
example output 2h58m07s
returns 5h04m17s
